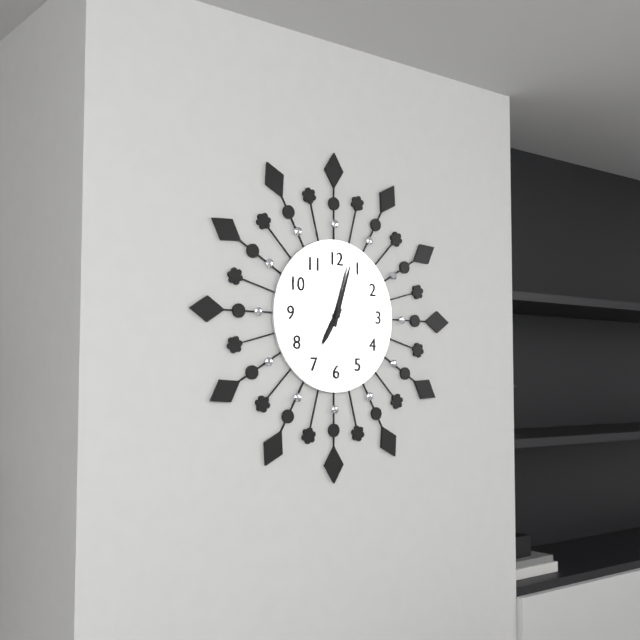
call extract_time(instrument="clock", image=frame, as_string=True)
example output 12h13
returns 7h03
